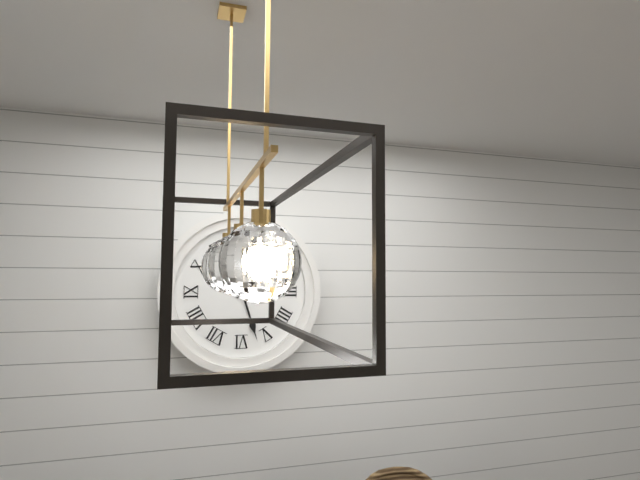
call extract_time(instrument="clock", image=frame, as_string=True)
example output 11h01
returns 1h27
